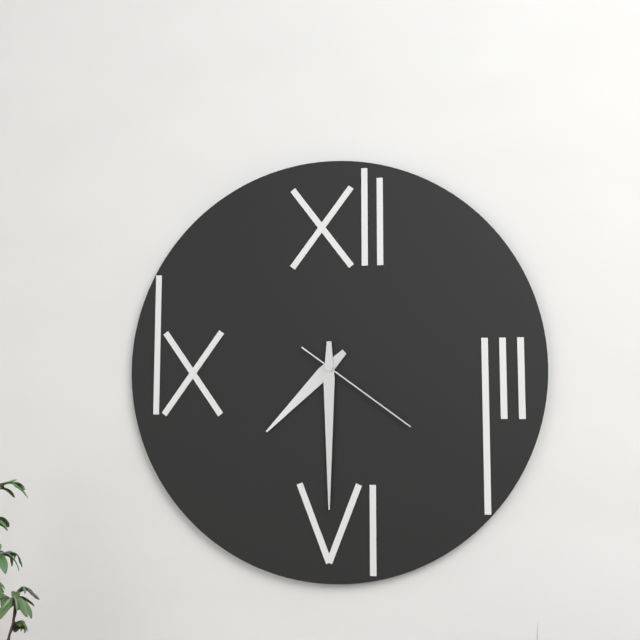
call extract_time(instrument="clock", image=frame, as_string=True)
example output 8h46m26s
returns 7h30m21s
